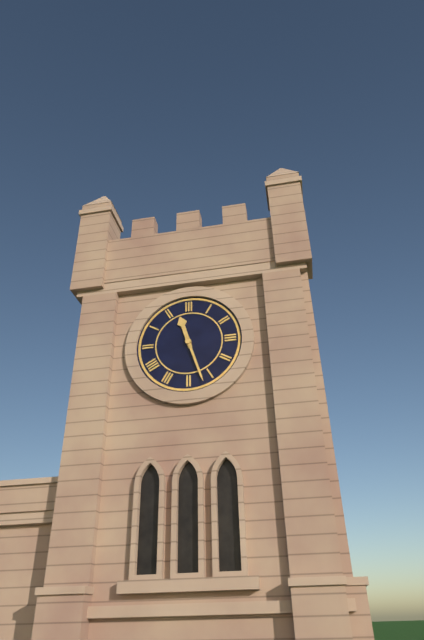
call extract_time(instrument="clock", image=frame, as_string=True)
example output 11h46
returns 11h27
